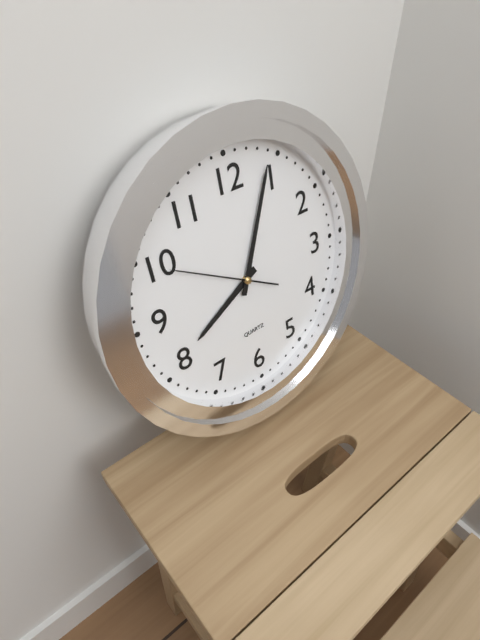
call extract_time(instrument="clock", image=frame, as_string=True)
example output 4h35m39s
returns 8h04m50s
